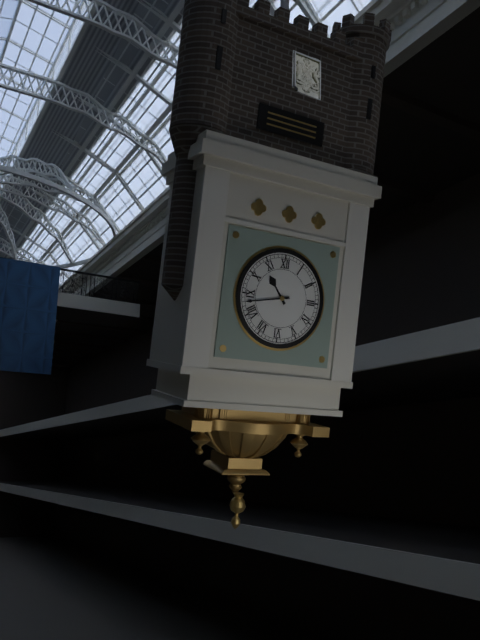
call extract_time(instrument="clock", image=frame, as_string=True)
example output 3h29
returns 10h43
